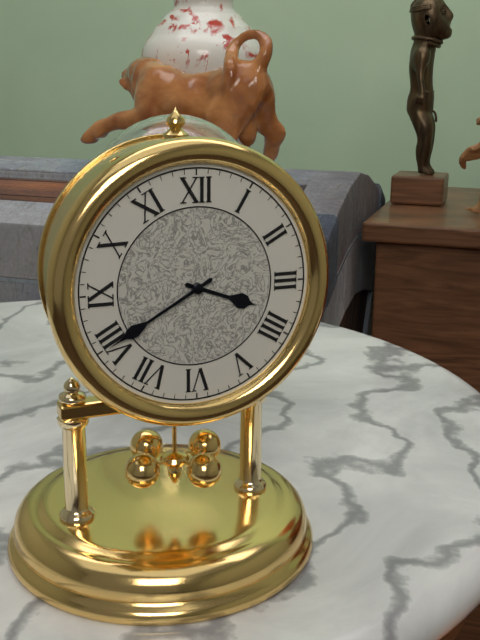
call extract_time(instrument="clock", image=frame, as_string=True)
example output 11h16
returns 3h40
